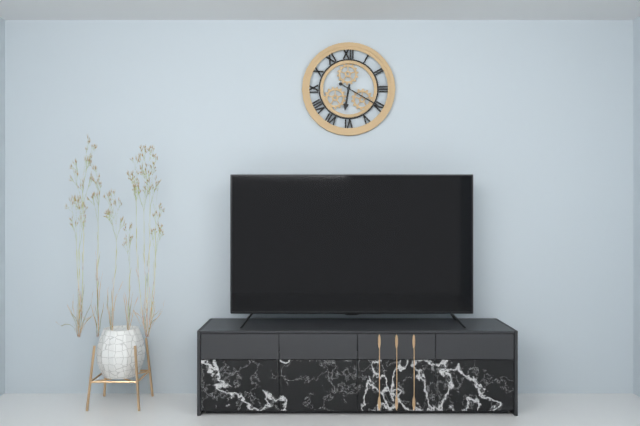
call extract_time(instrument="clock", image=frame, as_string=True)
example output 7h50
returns 6h20
